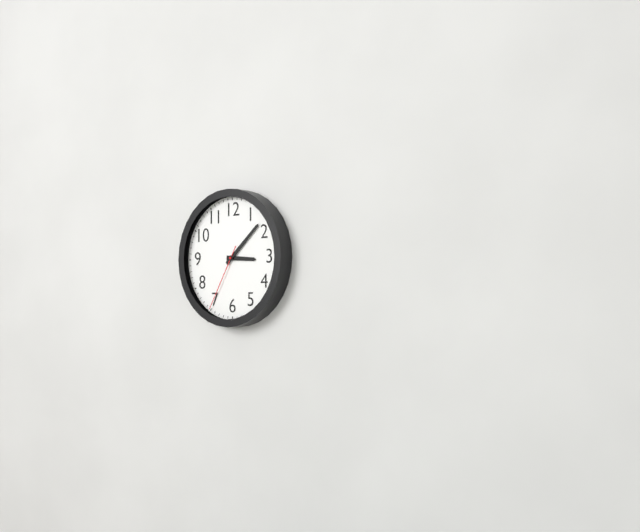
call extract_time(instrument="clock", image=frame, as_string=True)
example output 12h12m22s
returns 3h08m35s
